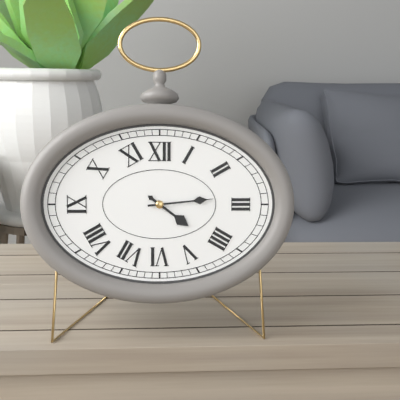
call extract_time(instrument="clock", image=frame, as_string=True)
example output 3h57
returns 4h14
